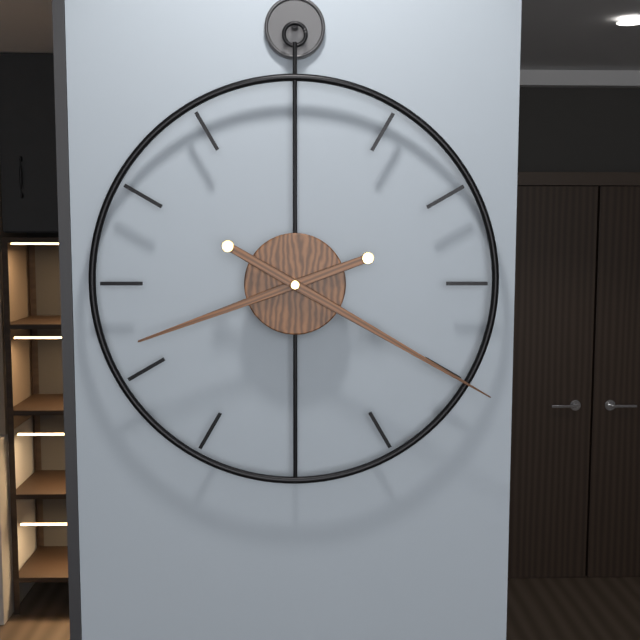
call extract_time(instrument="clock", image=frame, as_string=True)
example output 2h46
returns 8h20
